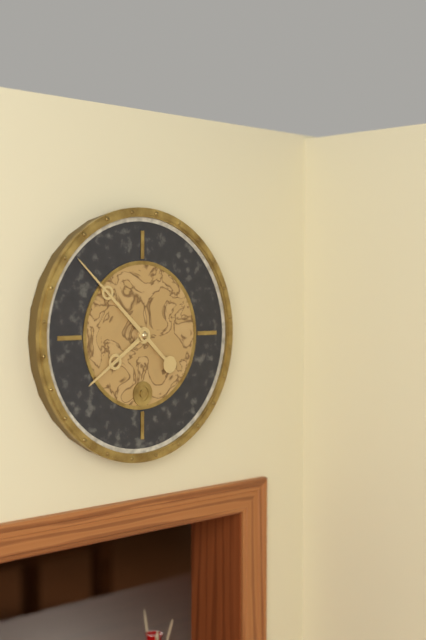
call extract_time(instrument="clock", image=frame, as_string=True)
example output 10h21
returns 7h52
